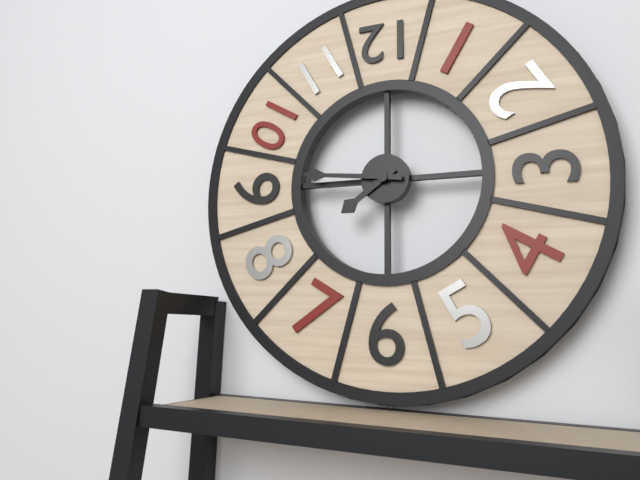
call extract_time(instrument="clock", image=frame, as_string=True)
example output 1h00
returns 7h46
